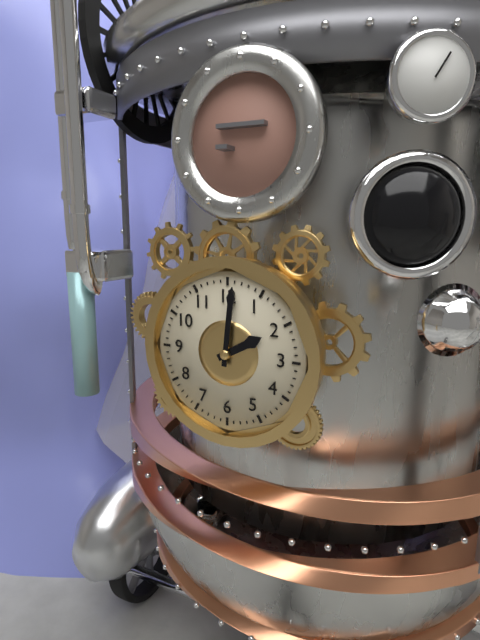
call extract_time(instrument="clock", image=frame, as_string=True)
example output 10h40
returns 2h01
